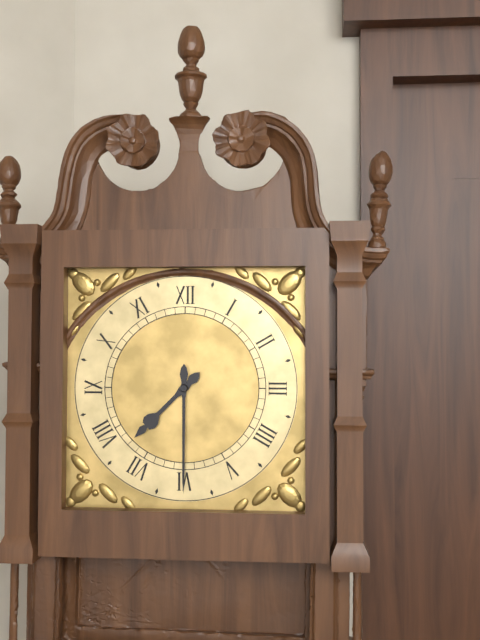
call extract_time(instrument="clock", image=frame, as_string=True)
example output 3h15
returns 7h30
